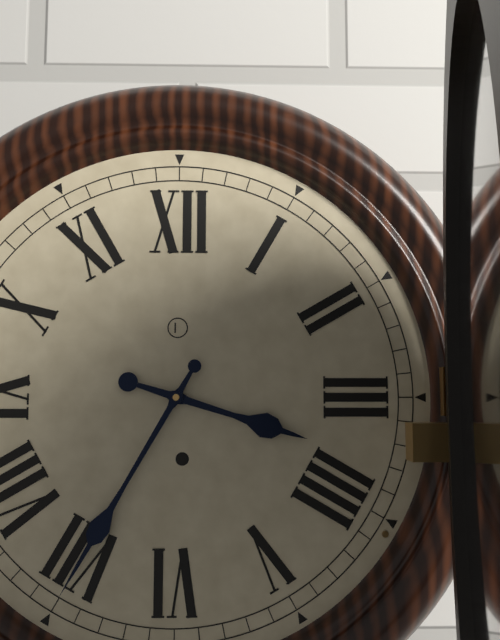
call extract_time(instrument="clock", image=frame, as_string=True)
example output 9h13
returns 3h35
